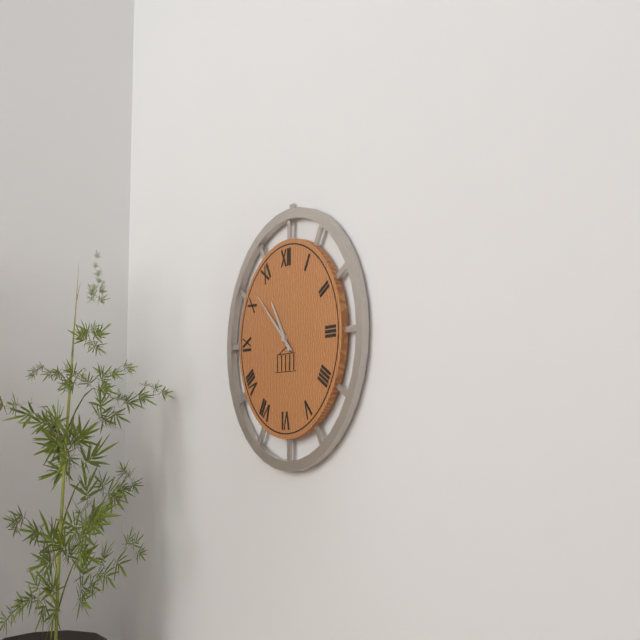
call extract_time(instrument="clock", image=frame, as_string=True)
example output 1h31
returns 10h52
